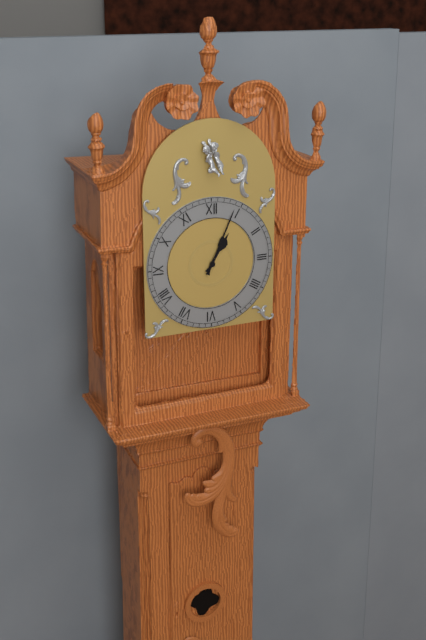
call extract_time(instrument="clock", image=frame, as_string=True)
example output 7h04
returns 1h04
